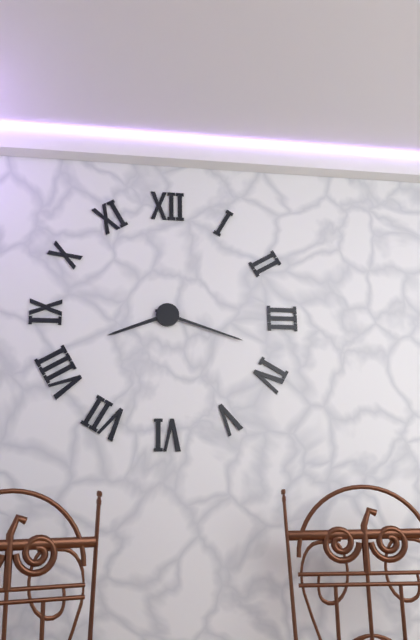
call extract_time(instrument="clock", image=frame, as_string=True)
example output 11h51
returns 8h18
